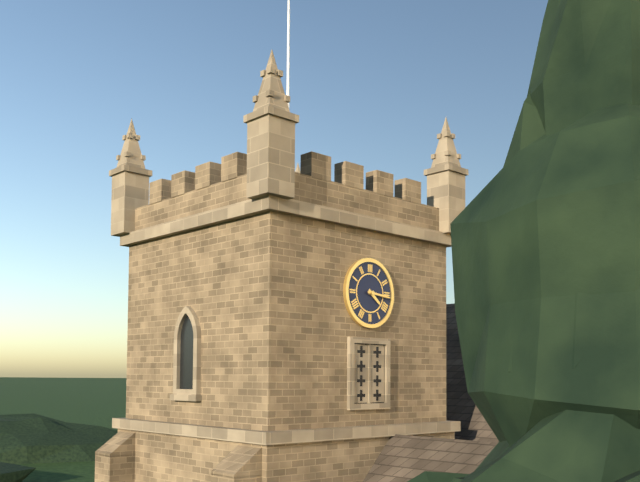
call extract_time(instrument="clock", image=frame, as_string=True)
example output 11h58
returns 4h16
